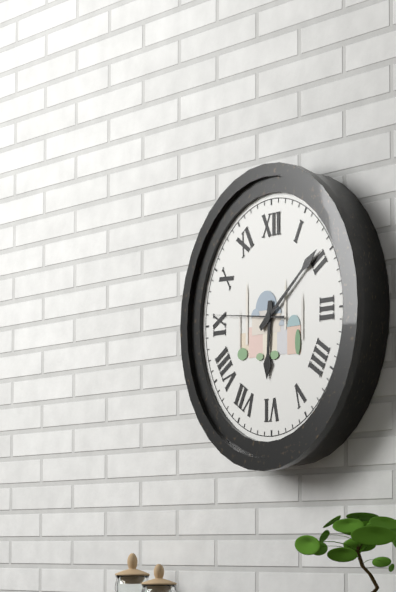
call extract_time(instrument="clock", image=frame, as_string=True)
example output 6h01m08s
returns 6h09m46s
